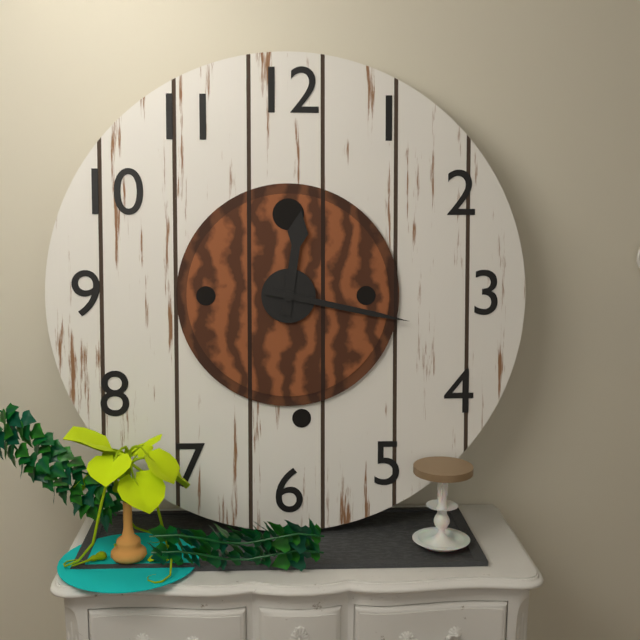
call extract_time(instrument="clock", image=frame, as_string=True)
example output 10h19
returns 12h17
